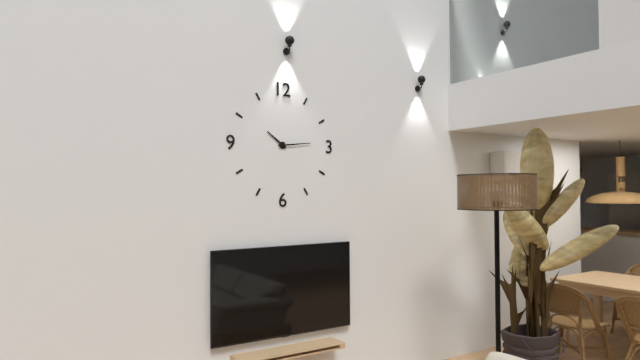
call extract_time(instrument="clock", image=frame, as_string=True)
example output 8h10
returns 10h14
